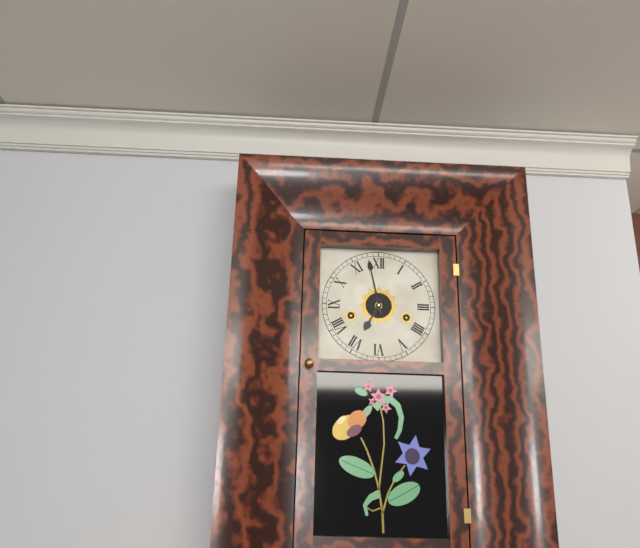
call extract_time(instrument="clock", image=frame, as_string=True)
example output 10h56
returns 6h58
